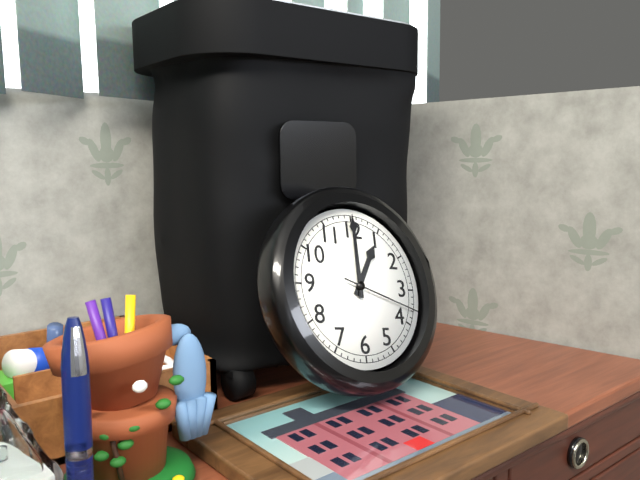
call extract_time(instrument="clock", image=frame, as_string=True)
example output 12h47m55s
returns 1h00m18s
